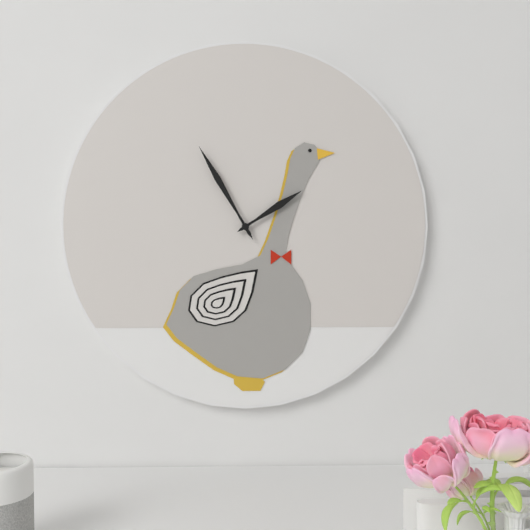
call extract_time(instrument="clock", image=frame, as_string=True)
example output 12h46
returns 1h55
